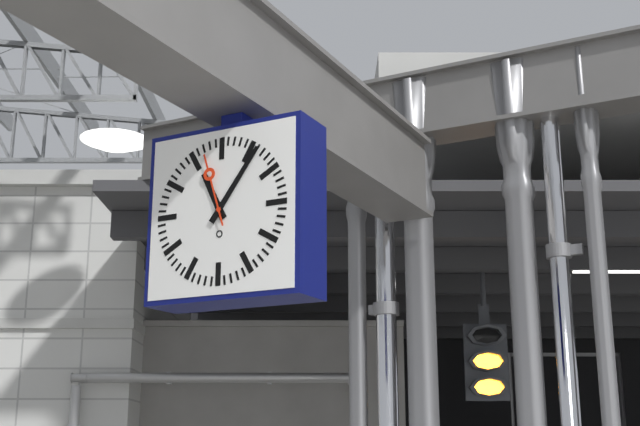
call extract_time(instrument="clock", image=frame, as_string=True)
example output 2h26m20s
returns 11h06m57s
